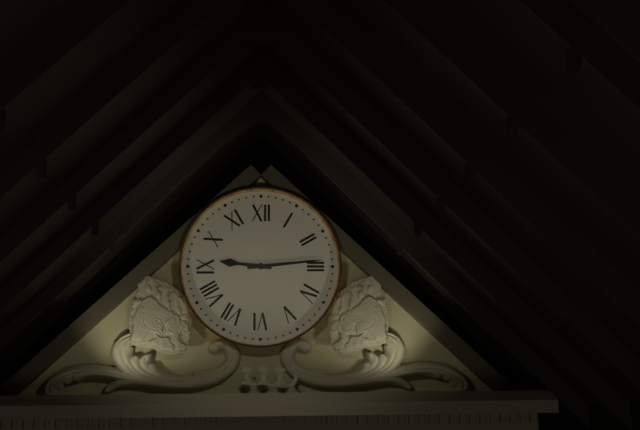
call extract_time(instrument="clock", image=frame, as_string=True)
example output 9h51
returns 9h14
